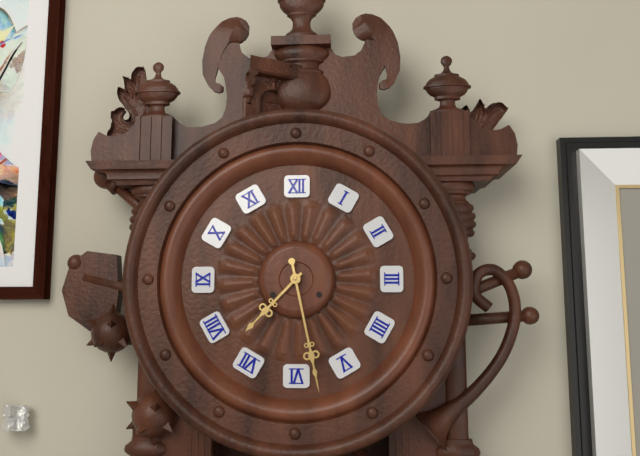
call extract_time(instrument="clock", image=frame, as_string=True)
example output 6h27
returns 7h28
